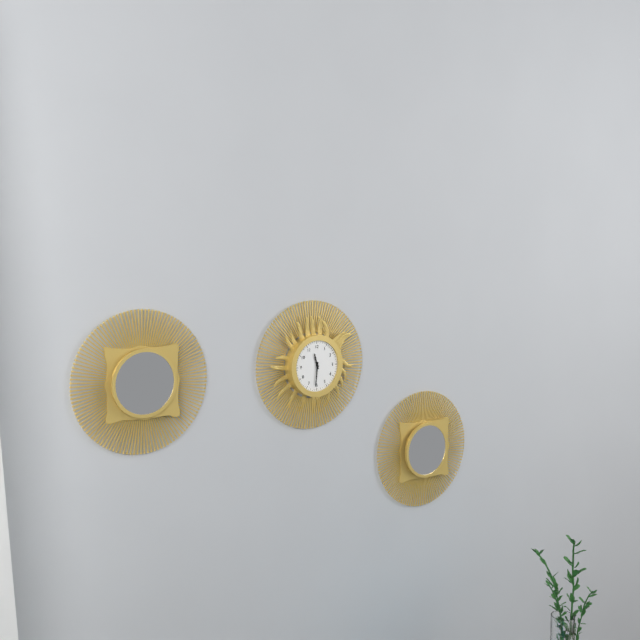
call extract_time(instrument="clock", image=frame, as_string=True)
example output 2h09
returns 11h31
